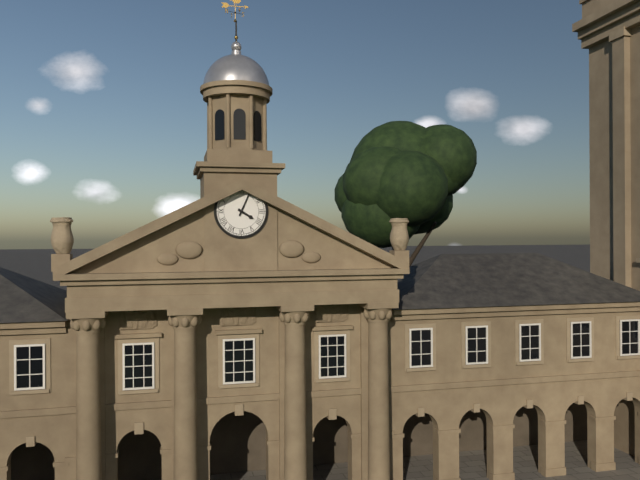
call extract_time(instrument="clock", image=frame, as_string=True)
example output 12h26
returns 4h04
